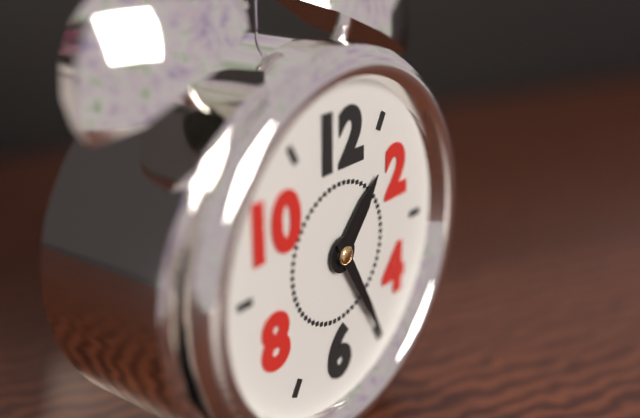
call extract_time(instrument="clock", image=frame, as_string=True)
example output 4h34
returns 1h25
